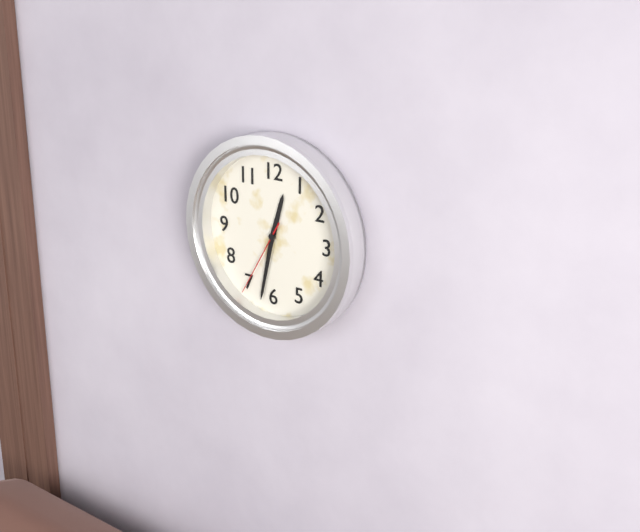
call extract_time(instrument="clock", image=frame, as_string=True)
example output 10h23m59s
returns 12h32m35s
